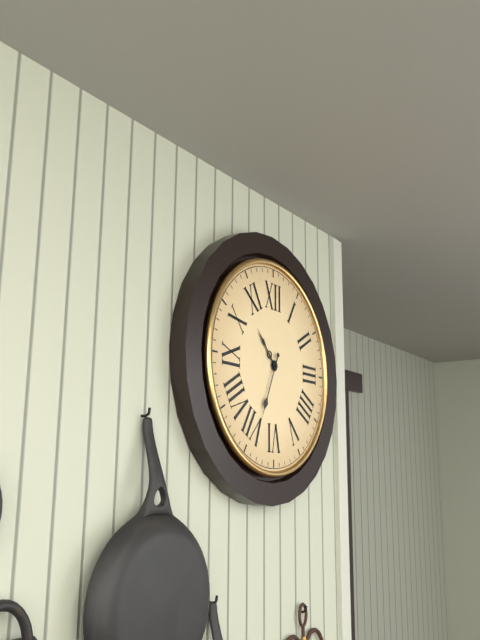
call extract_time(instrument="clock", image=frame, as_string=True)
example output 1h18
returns 10h34
